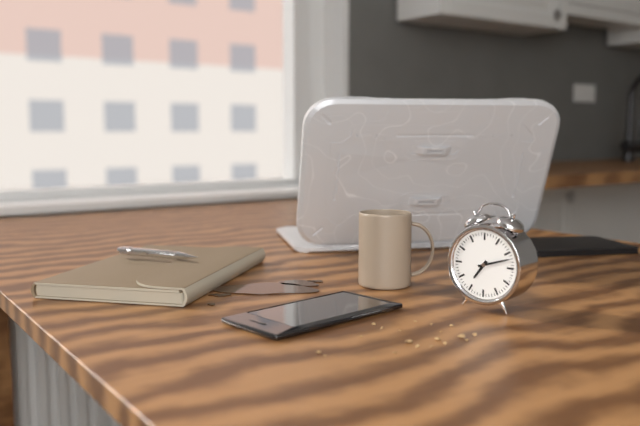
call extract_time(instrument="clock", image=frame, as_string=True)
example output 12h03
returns 7h12
